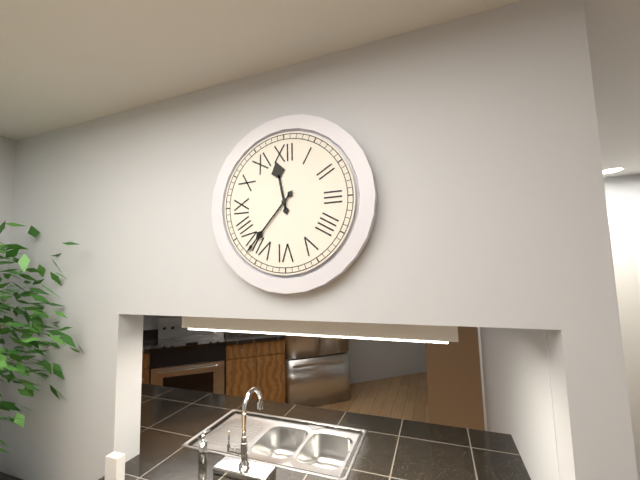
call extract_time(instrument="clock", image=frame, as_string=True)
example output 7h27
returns 11h37
